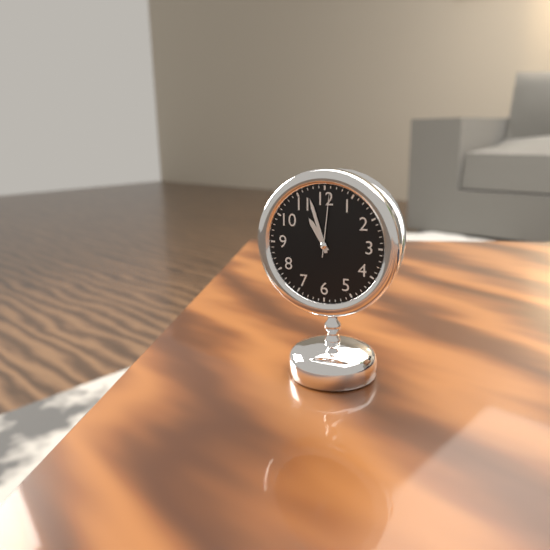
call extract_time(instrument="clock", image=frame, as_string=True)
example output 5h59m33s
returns 10h57m01s
